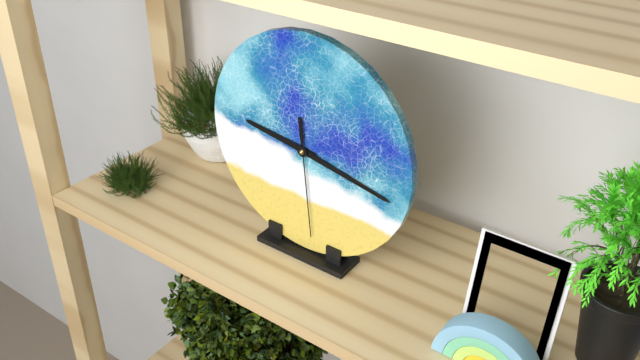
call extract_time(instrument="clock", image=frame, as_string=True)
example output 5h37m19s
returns 9h17m29s
